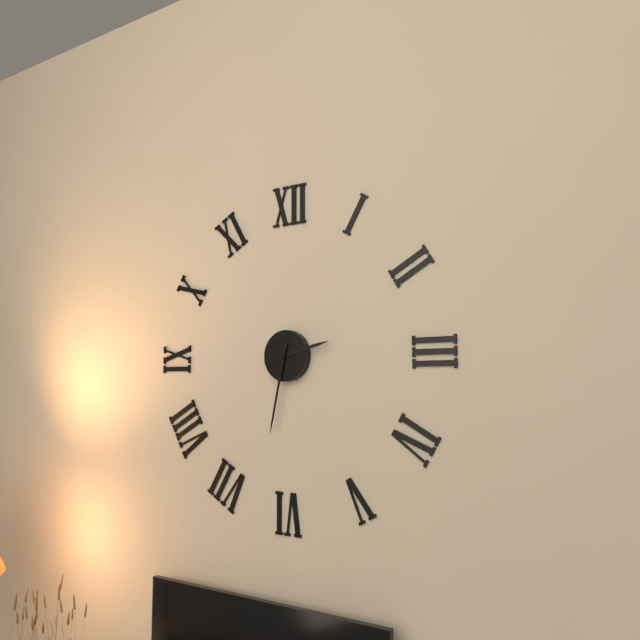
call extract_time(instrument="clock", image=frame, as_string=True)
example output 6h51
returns 2h32
